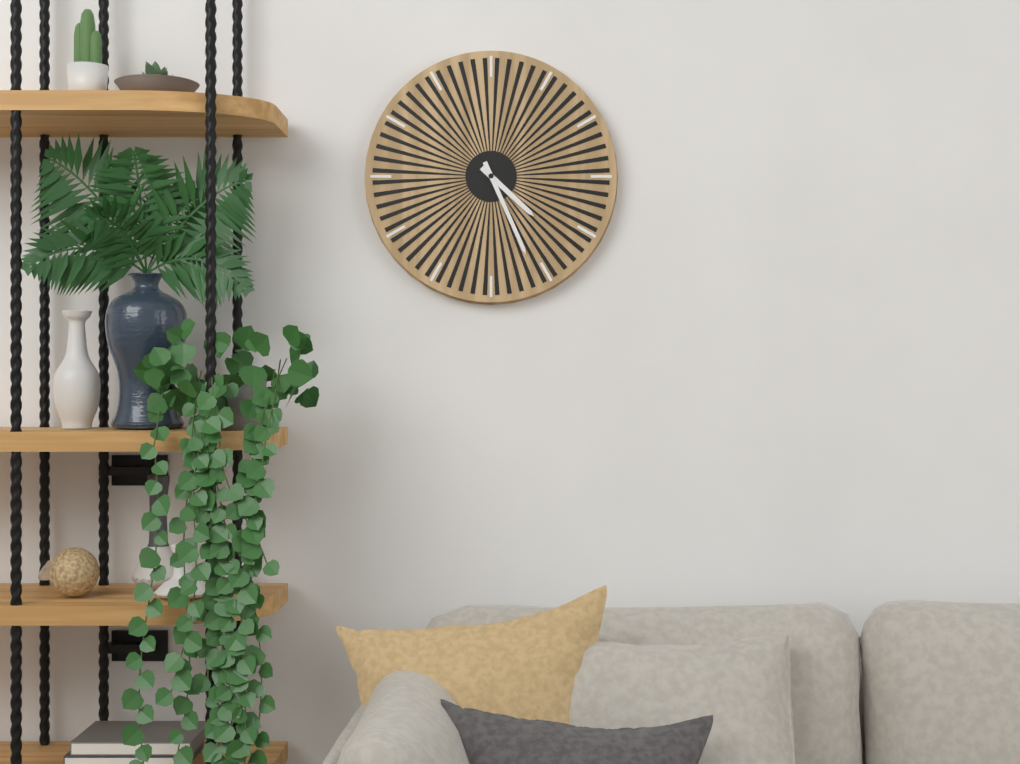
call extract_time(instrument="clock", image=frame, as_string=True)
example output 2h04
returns 4h26
